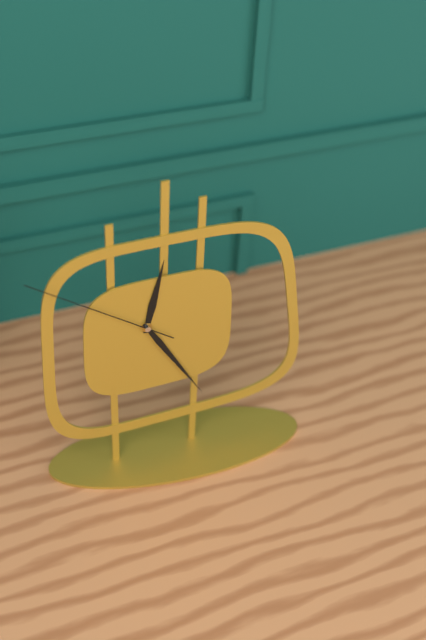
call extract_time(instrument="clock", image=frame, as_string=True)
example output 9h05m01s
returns 12h25m51s
